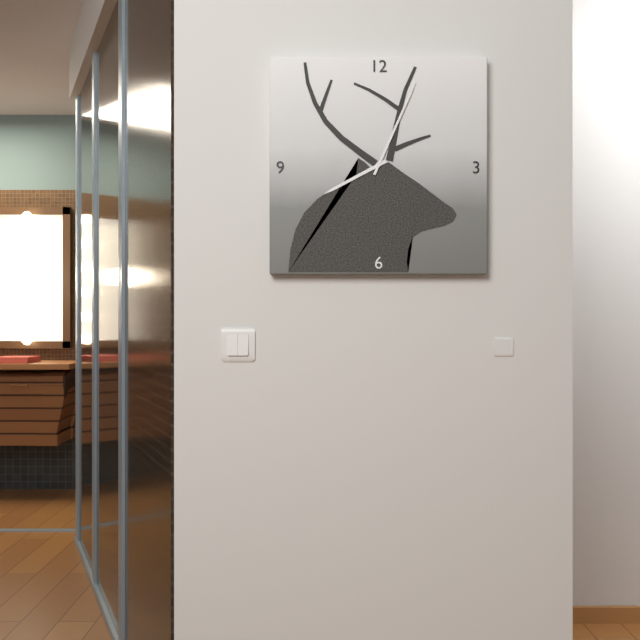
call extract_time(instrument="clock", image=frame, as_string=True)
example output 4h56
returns 8h04
